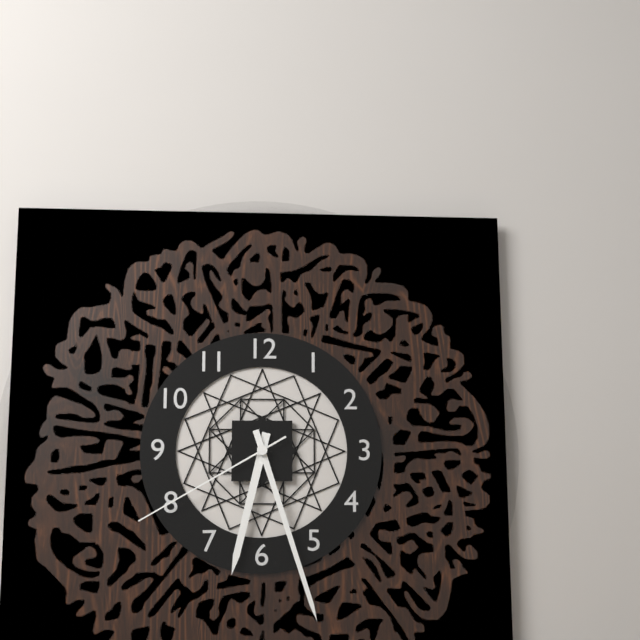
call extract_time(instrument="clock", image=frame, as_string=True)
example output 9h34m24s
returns 6h27m40s
